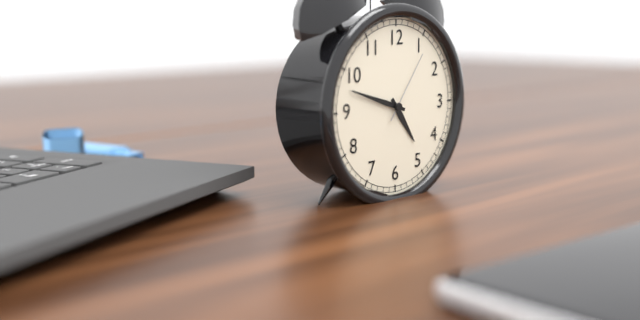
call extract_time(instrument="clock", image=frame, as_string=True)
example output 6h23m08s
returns 4h48m06s
